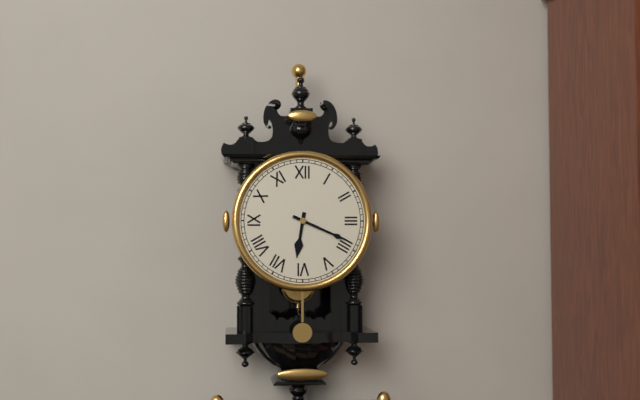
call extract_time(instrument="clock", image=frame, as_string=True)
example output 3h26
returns 6h19
